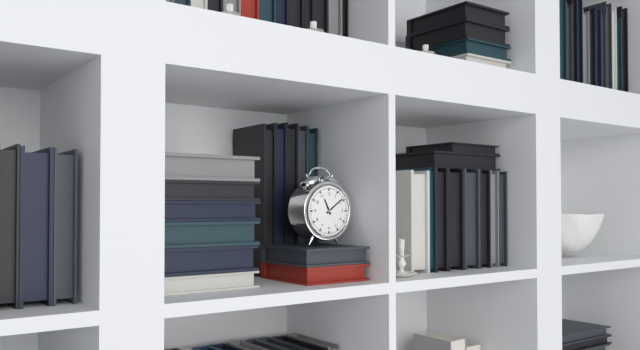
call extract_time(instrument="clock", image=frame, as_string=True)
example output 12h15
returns 11h09
